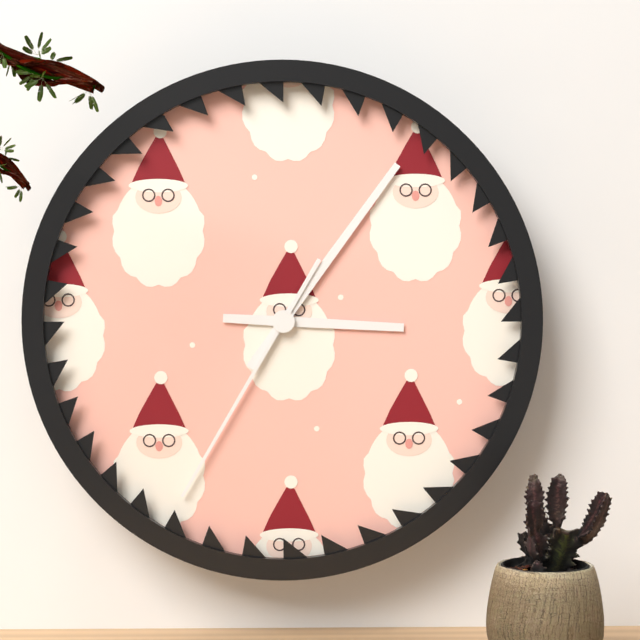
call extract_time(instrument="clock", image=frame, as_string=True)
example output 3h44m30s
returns 3h06m35s
